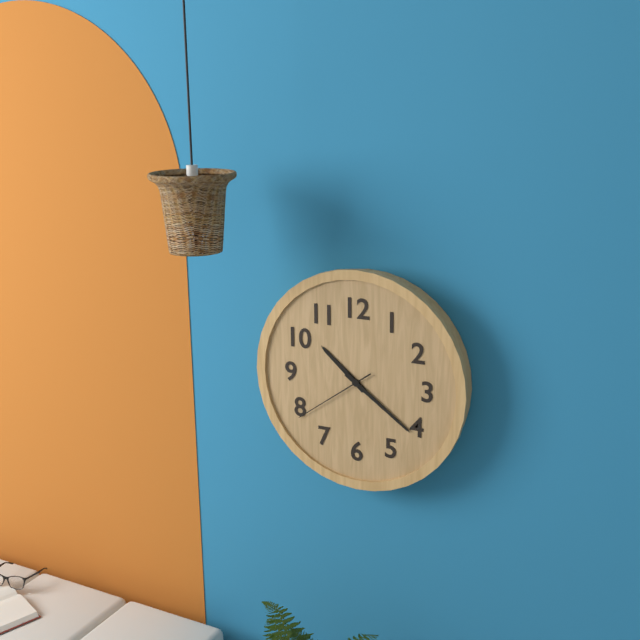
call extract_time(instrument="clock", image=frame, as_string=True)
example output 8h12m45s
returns 10h21m39s
